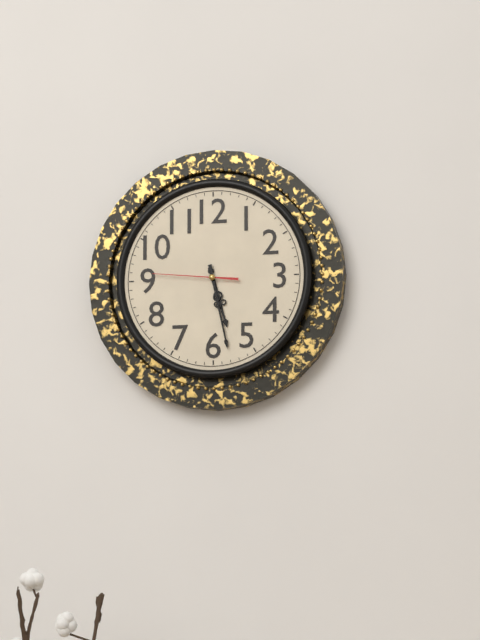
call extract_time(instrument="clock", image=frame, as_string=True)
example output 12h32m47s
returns 5h28m46s
